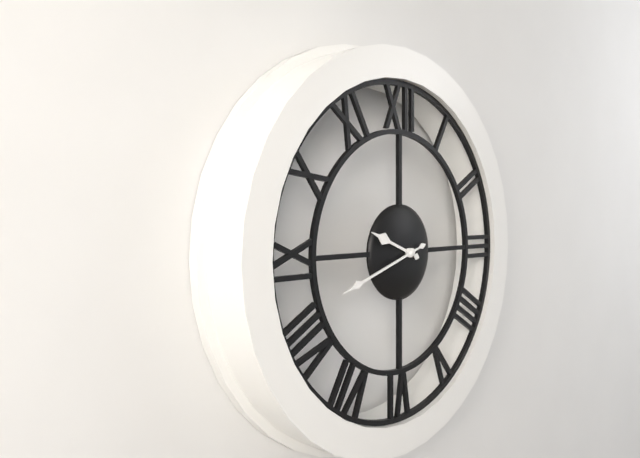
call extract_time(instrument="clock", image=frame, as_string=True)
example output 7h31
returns 9h42
